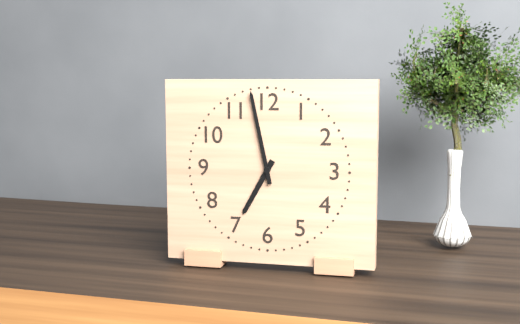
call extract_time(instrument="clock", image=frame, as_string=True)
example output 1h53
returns 6h58
